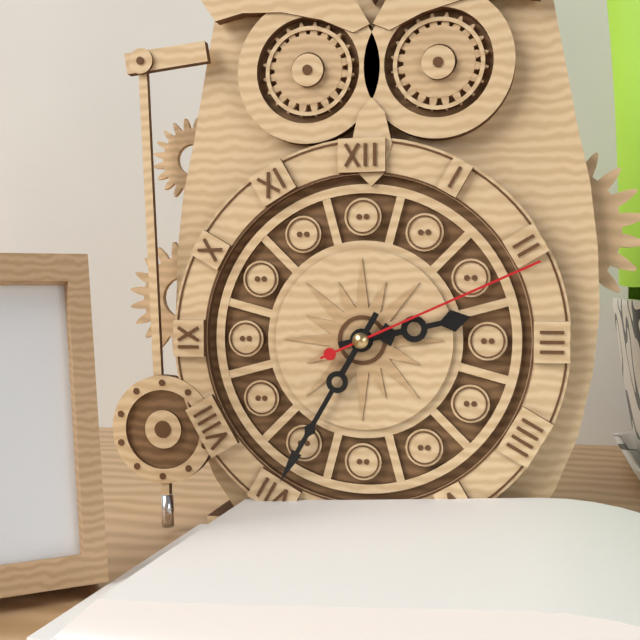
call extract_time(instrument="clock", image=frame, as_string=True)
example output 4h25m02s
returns 2h35m11s
